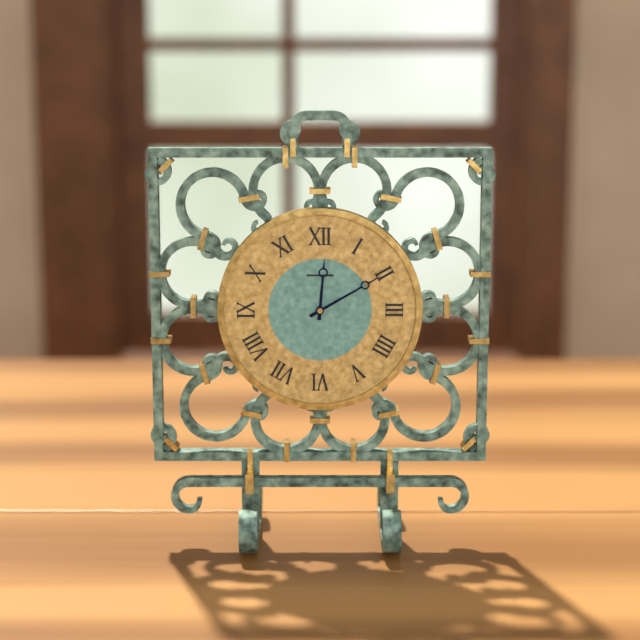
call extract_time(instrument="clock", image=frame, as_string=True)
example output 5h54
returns 12h10
